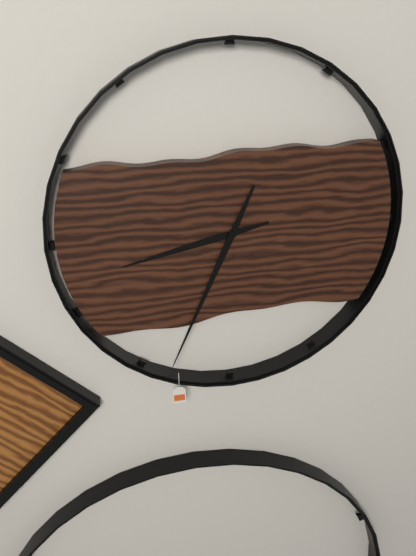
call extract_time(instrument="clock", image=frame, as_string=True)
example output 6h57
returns 8h34
